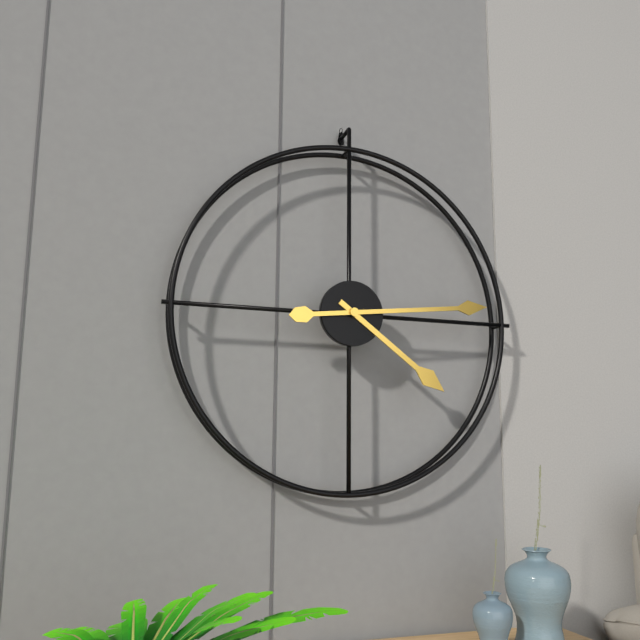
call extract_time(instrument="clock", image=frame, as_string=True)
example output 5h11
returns 4h14
